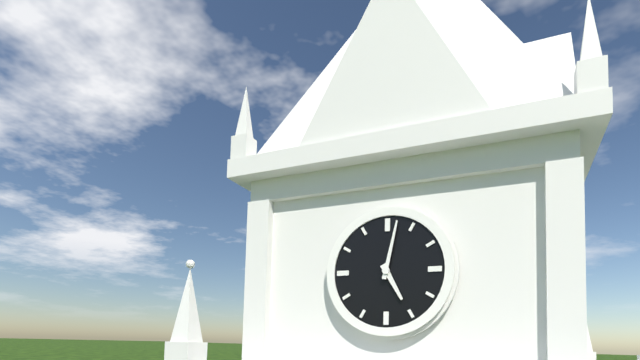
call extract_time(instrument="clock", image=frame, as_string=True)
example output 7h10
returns 5h02
